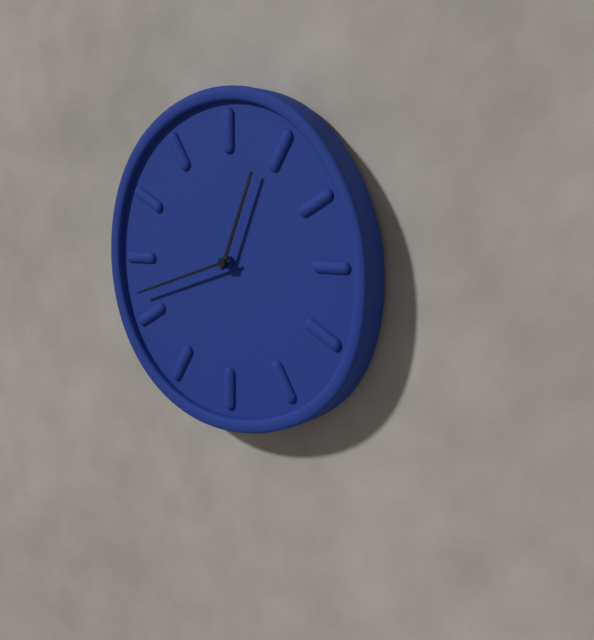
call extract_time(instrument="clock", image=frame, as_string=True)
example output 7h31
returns 12h42
